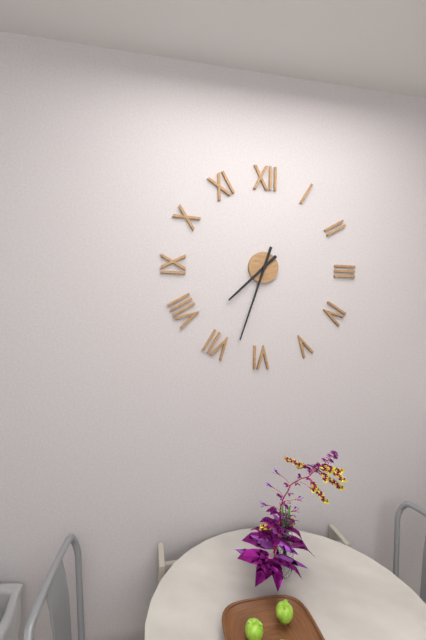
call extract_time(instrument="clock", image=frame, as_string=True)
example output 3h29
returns 7h33
